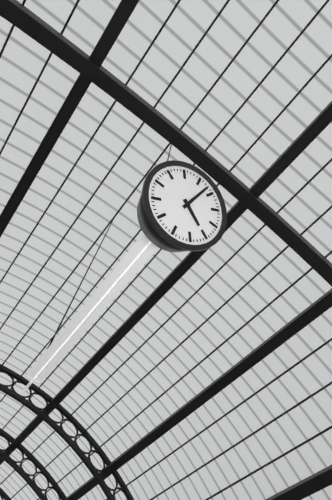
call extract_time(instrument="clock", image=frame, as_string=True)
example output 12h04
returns 4h03
